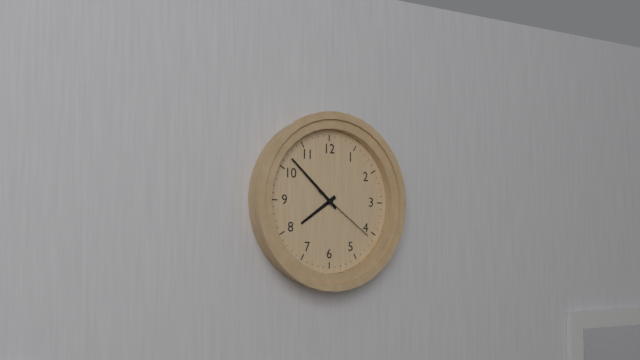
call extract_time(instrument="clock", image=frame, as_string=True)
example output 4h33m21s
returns 7h52m21s
